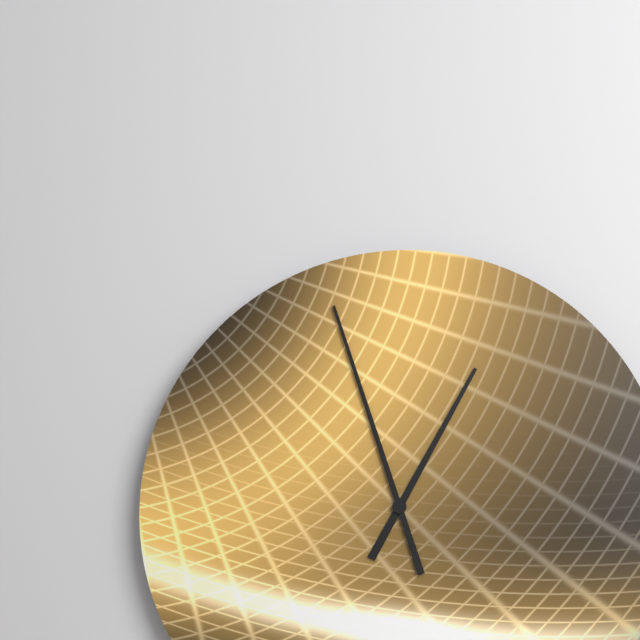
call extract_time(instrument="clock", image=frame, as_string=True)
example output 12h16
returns 12h57
